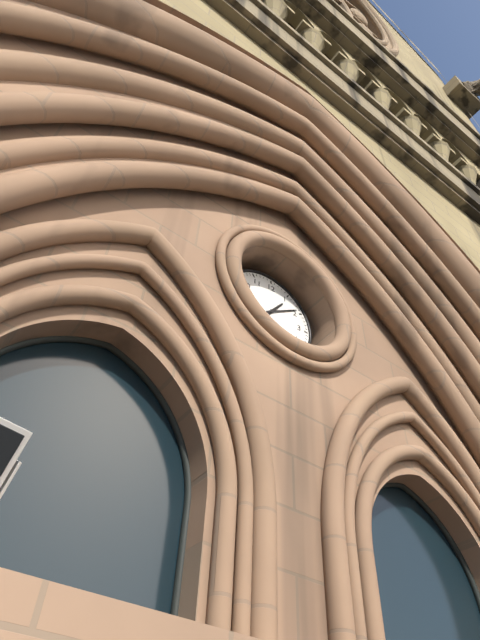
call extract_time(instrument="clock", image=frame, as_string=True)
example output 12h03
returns 1h09
